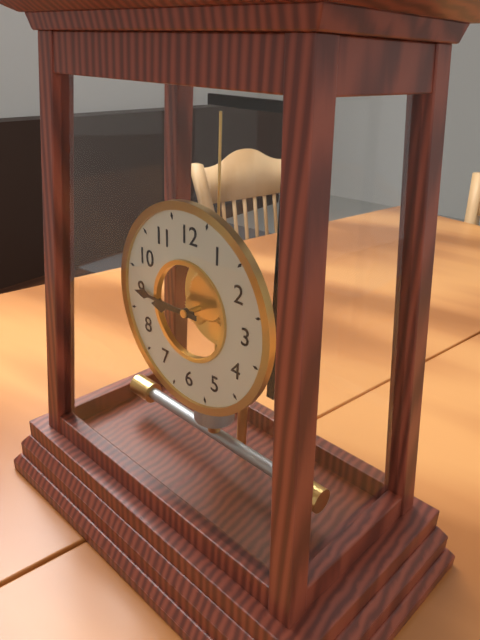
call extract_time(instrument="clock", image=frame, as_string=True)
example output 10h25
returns 8h45
